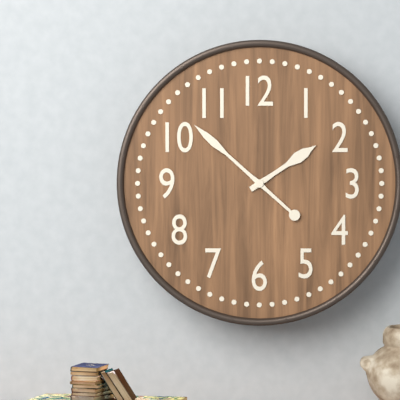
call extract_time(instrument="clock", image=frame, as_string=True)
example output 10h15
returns 1h52
